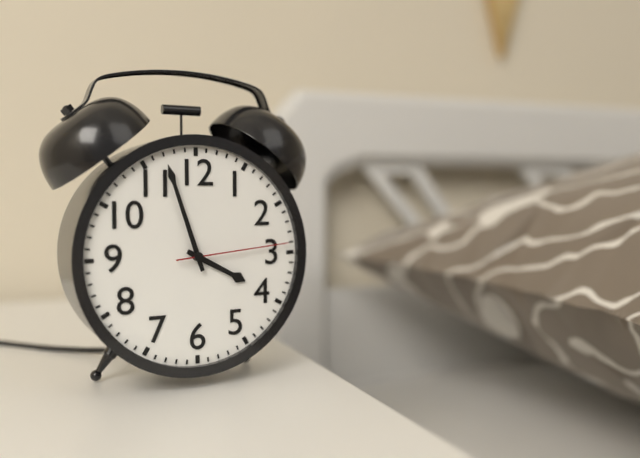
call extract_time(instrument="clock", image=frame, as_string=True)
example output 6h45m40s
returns 3h57m14s
